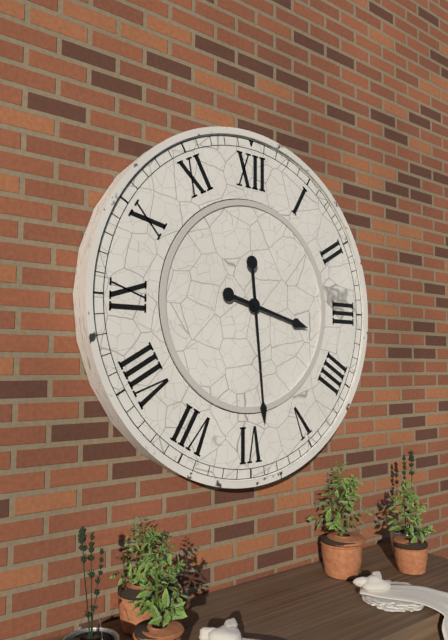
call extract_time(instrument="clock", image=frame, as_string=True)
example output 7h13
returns 3h29
